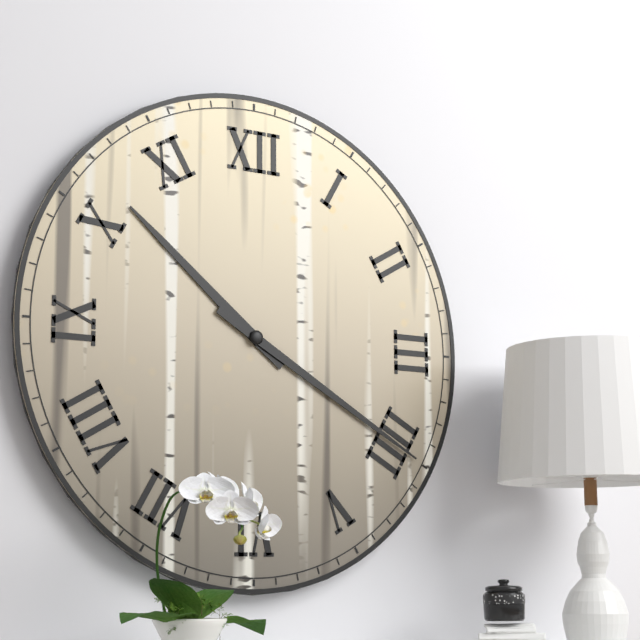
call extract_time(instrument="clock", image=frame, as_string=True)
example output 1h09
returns 10h20
